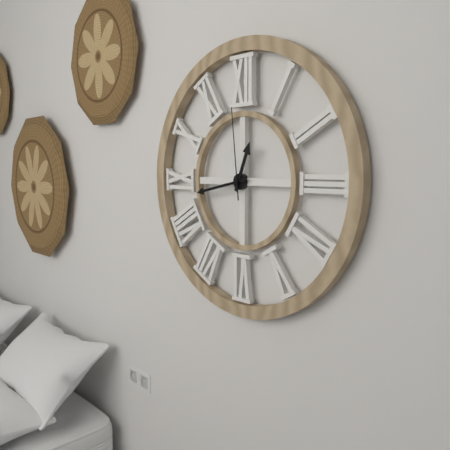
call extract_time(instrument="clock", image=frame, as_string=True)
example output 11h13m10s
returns 12h43m59s
